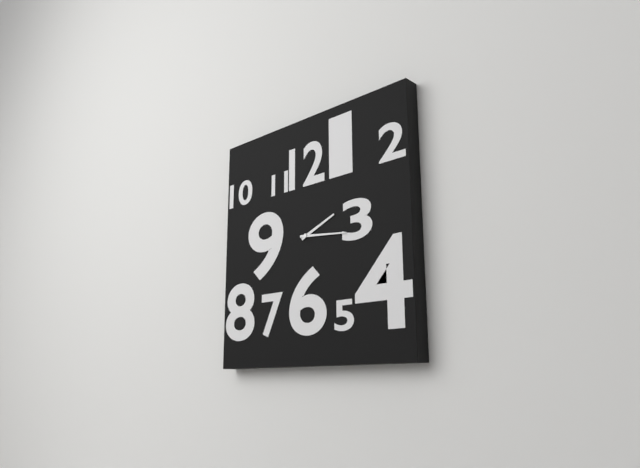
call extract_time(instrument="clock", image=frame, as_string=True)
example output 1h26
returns 2h16
